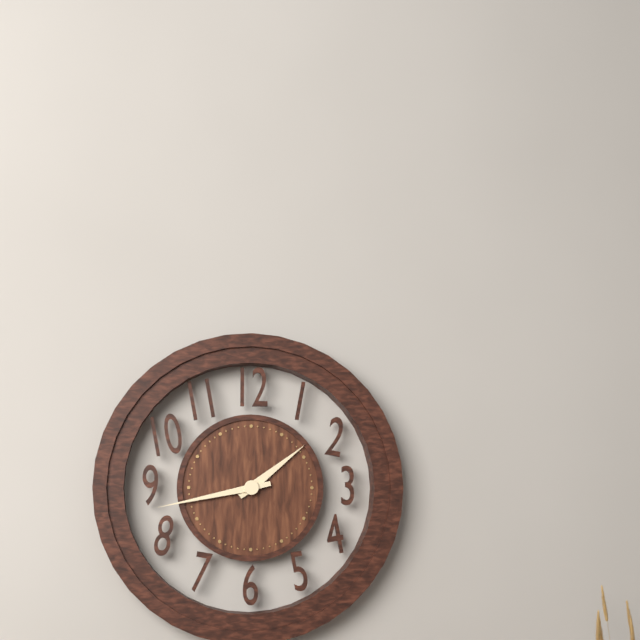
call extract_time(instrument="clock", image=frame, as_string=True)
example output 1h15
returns 1h43
